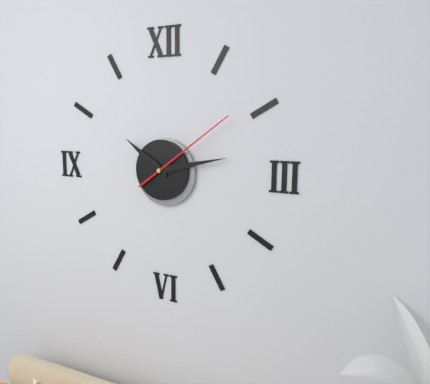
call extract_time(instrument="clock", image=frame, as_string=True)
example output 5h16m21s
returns 10h13m09s
